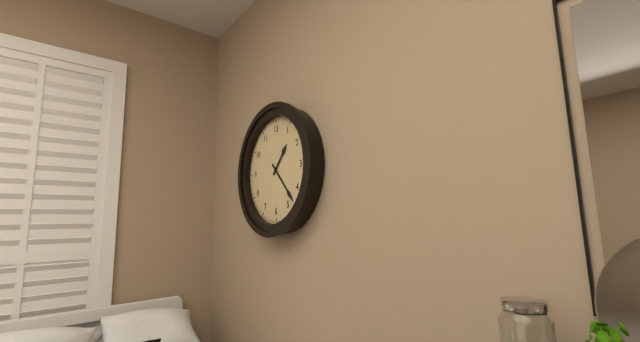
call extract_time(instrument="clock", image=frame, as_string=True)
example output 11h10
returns 1h23
